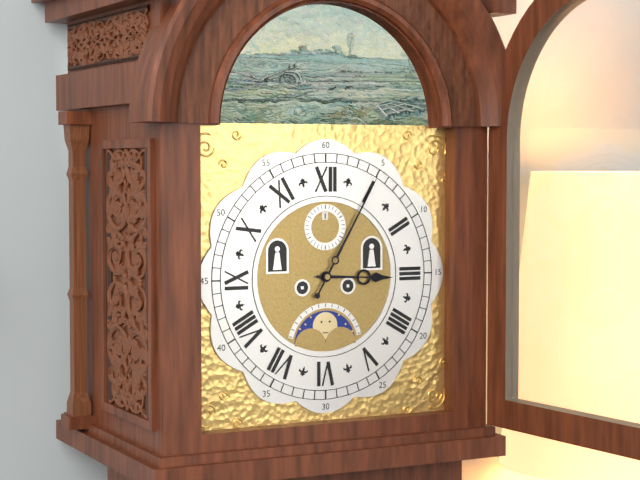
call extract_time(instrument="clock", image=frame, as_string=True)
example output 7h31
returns 3h05
